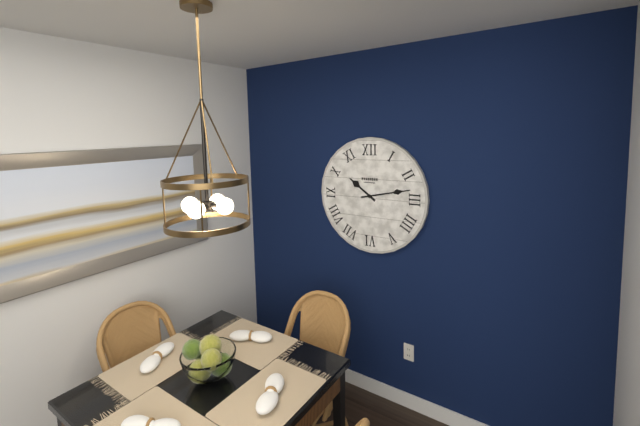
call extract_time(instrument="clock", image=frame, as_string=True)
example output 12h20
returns 10h13
